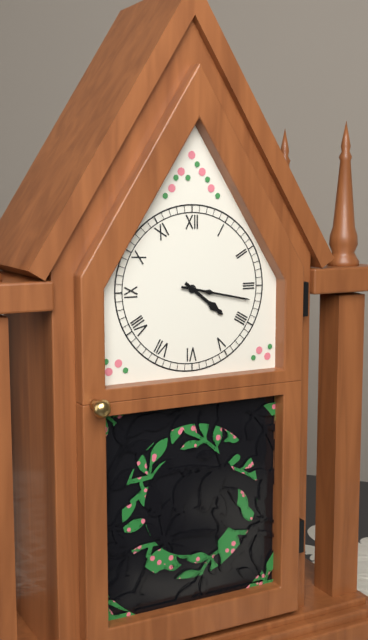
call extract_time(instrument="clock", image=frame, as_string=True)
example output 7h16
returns 4h17
